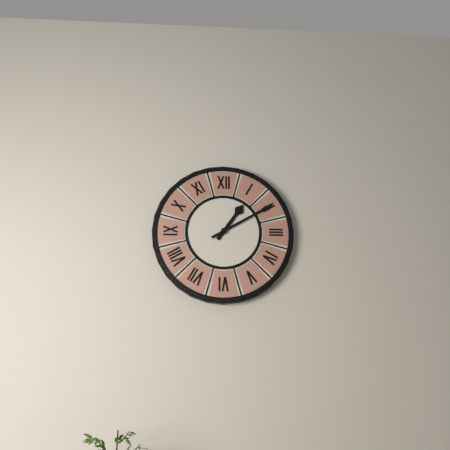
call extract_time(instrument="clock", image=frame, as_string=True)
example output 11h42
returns 1h10
